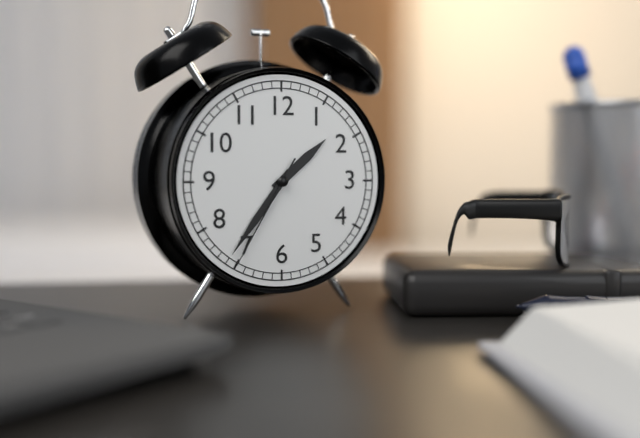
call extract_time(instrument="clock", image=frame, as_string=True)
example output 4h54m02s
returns 1h36m35s
